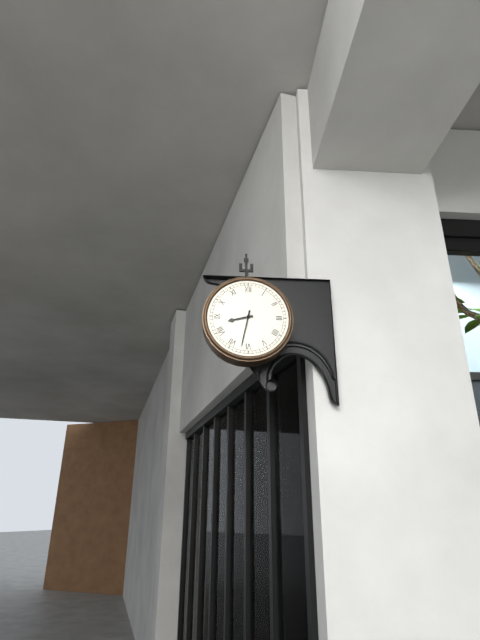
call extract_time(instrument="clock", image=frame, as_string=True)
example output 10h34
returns 8h32
